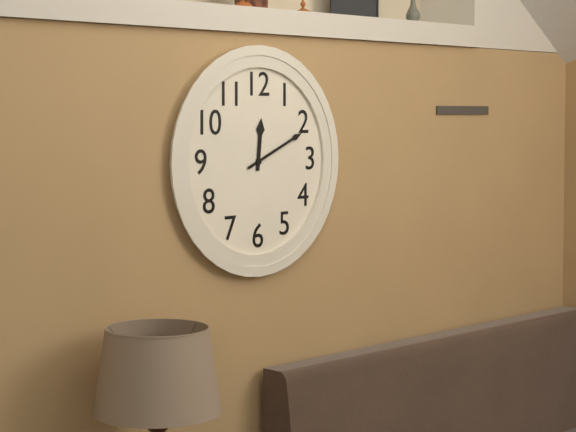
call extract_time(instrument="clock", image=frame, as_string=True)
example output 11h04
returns 12h11
